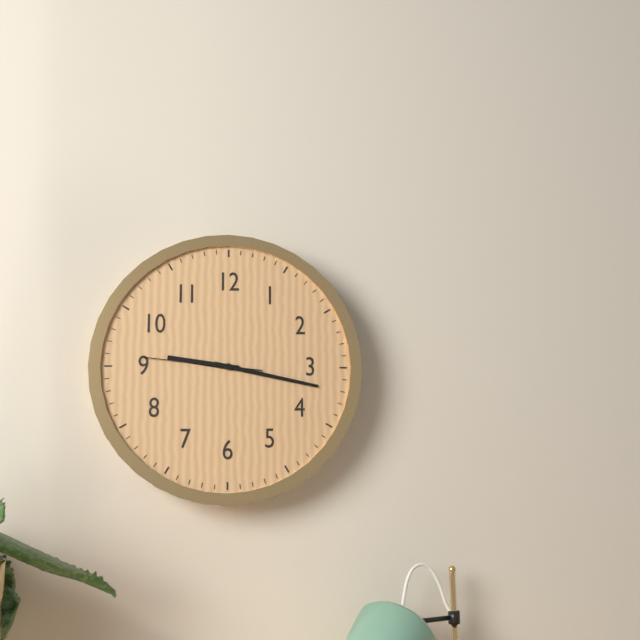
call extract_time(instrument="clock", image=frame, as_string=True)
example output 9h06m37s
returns 9h17m46s
